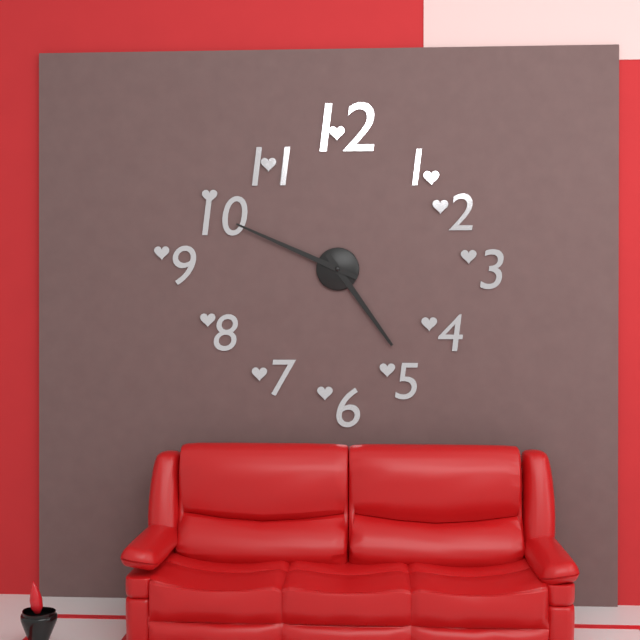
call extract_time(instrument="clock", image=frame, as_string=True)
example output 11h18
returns 4h49
